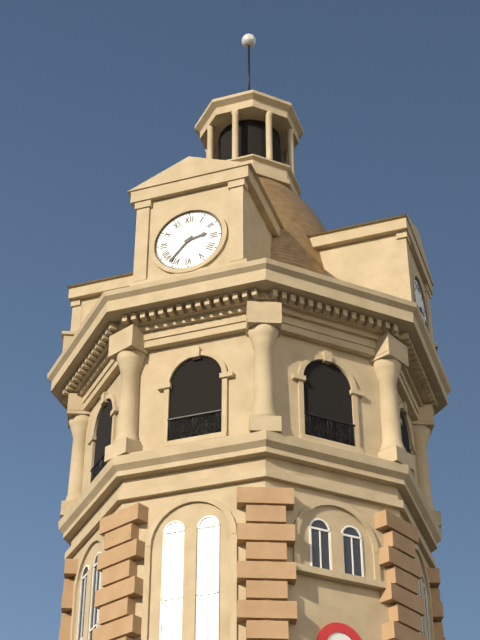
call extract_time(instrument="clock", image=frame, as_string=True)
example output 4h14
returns 2h37
